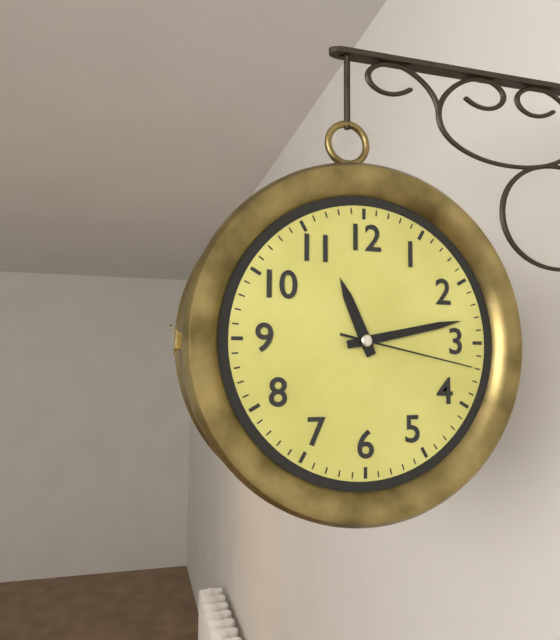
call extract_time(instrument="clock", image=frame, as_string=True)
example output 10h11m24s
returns 11h13m17s
